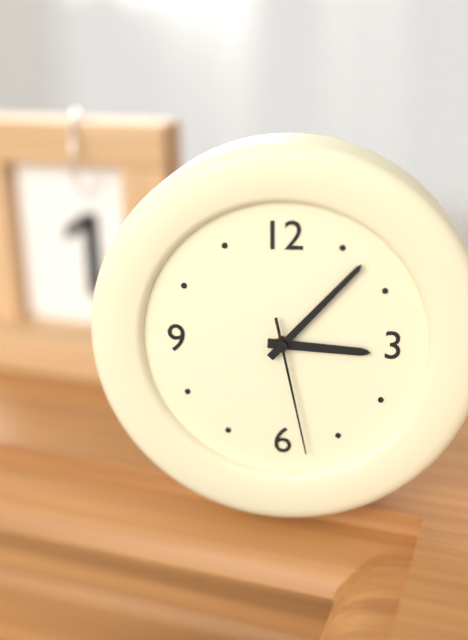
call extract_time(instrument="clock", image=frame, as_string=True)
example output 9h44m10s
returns 3h07m28s
